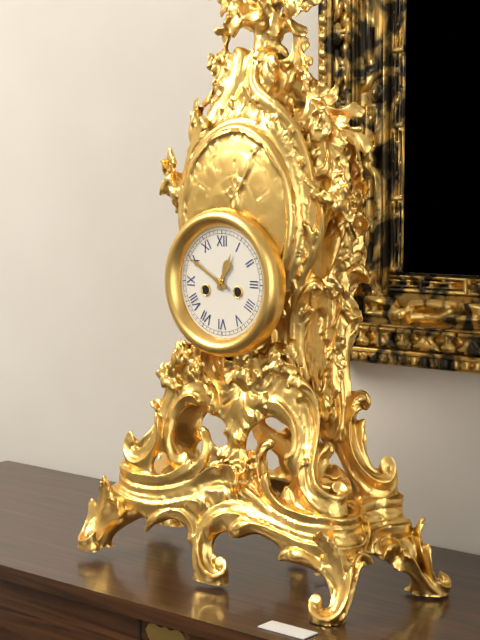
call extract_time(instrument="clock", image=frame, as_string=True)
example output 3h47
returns 12h50
